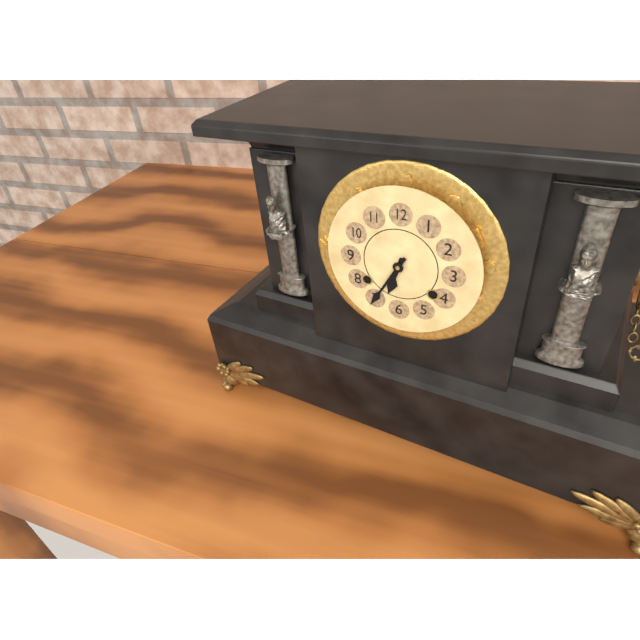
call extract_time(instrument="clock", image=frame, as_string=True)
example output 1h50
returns 6h35
